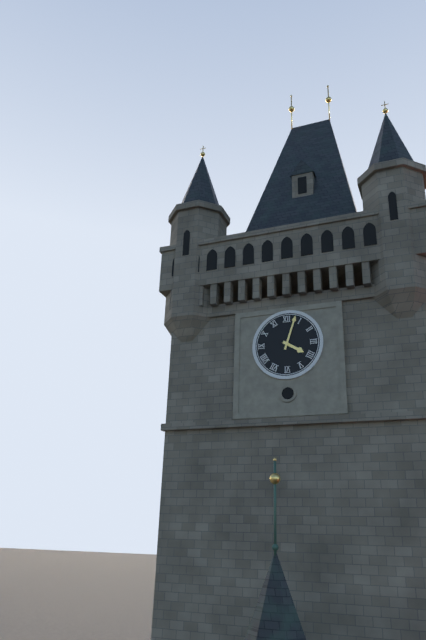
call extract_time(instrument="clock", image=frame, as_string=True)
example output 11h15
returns 4h03
